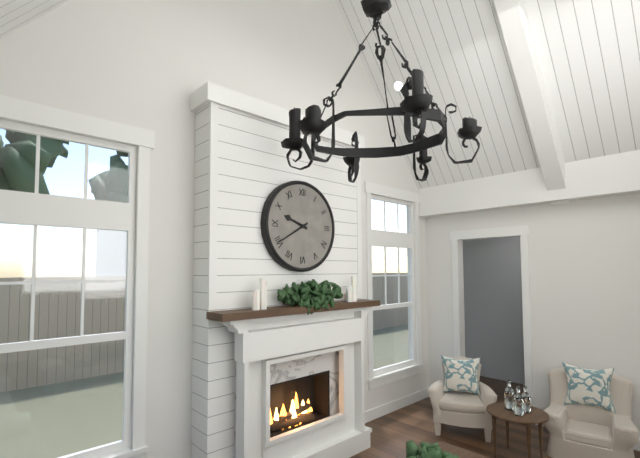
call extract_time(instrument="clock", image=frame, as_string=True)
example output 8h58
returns 9h40
